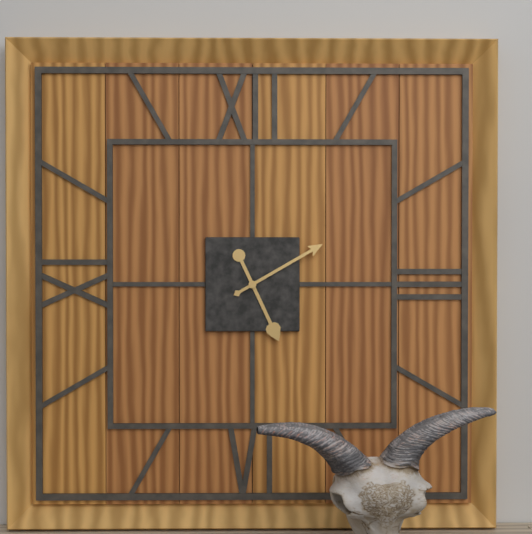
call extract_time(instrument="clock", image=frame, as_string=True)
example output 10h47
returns 5h10
